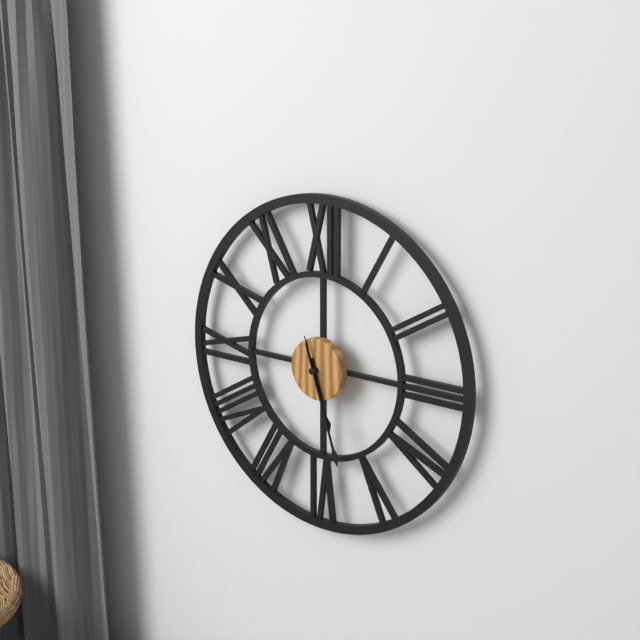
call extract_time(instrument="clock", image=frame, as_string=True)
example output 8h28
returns 5h27
